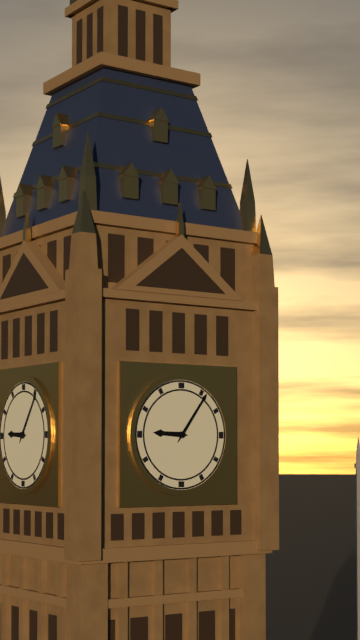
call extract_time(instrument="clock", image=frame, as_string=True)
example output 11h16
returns 9h06
